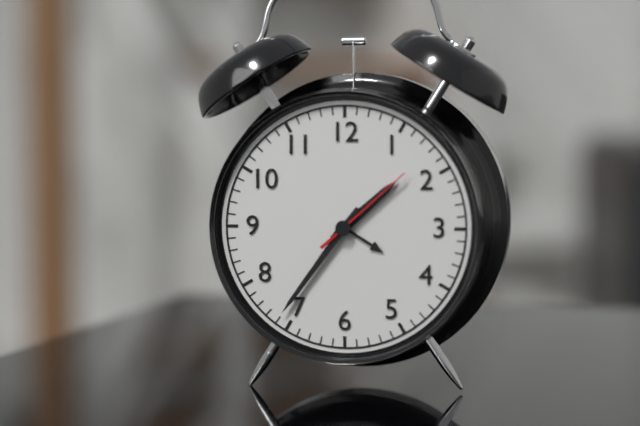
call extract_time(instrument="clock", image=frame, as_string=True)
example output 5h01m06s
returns 1h36m08s
